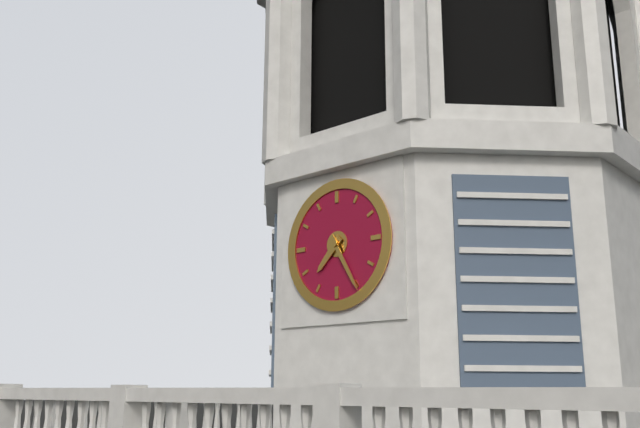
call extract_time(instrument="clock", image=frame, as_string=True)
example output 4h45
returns 7h25
